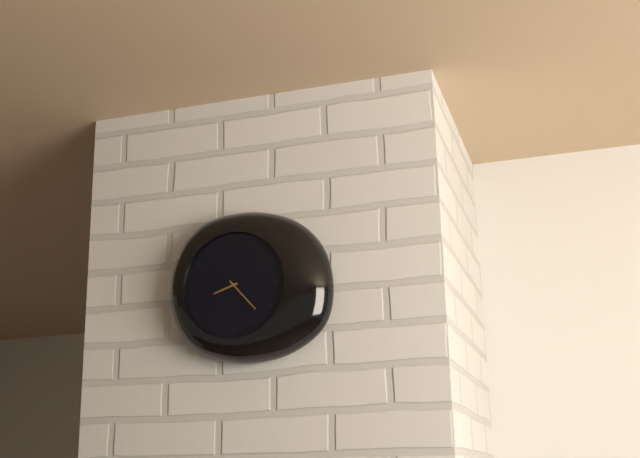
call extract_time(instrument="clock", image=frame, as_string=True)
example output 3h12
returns 8h23
